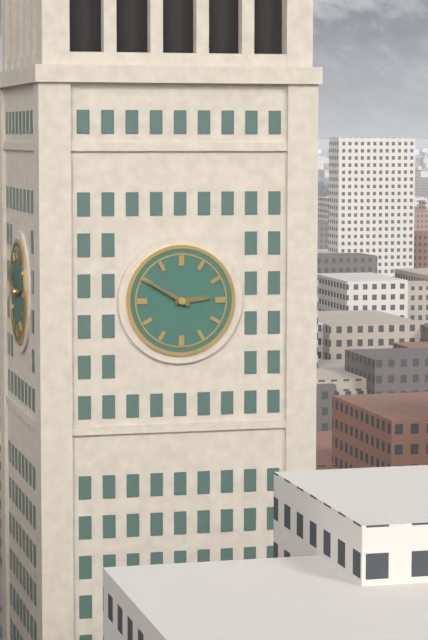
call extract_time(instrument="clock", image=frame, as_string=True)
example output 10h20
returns 2h50
